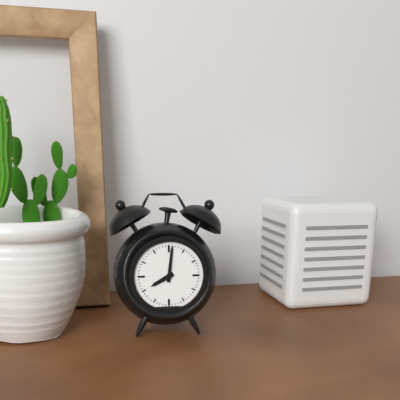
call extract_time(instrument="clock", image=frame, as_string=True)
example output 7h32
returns 8h01
